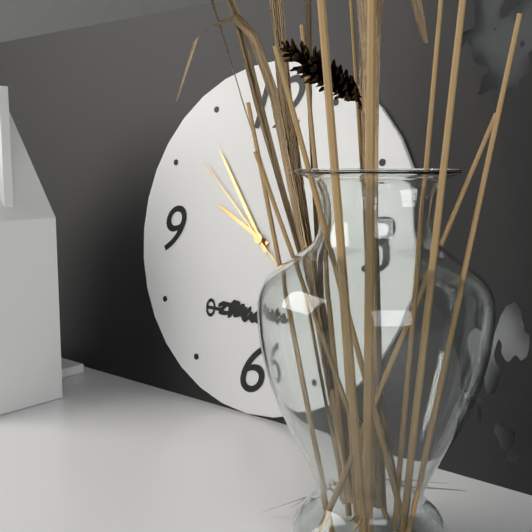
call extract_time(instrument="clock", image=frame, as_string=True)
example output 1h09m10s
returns 9h54m52s
